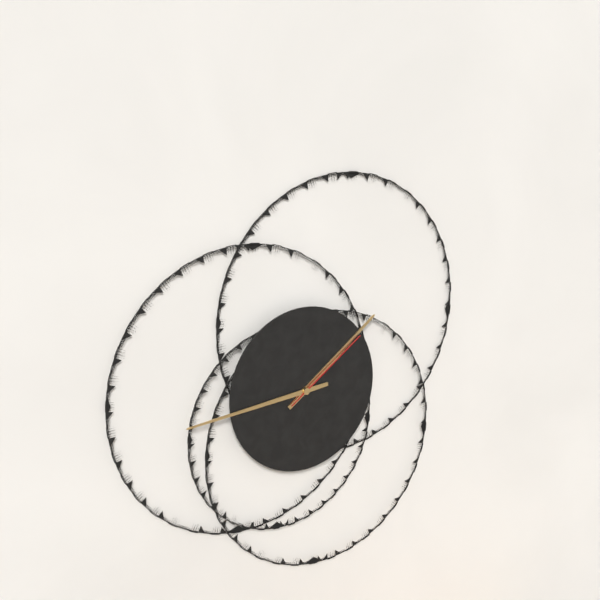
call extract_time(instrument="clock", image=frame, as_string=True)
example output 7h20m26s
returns 1h44m09s
